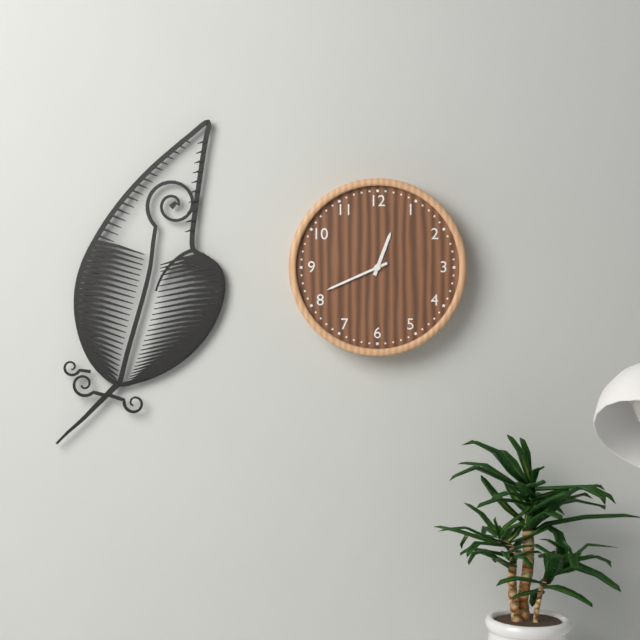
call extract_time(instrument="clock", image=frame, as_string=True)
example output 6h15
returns 12h41
